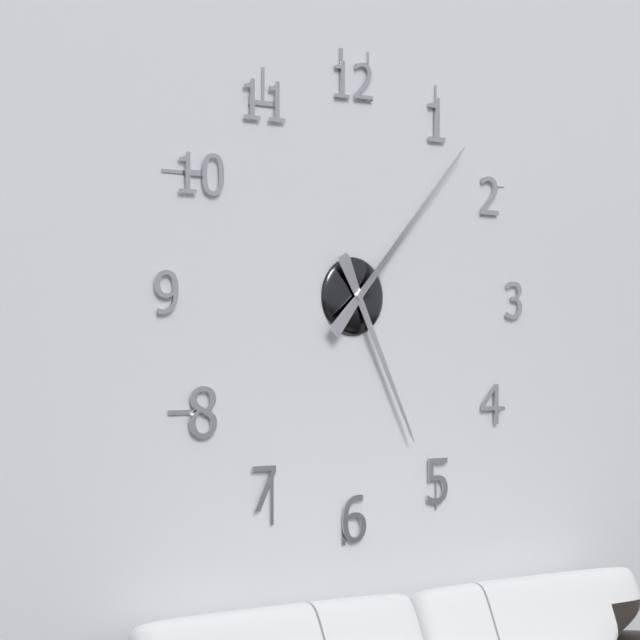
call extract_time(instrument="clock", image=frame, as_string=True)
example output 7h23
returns 5h07
